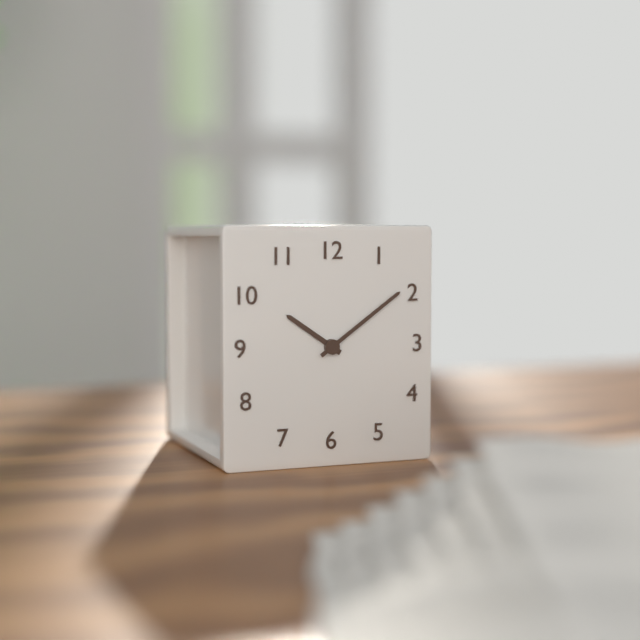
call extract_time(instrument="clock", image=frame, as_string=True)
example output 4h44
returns 10h09
